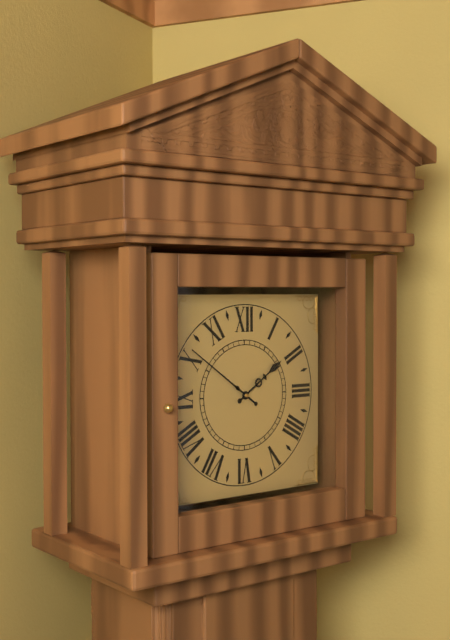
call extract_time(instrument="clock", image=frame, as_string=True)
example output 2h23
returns 1h51
